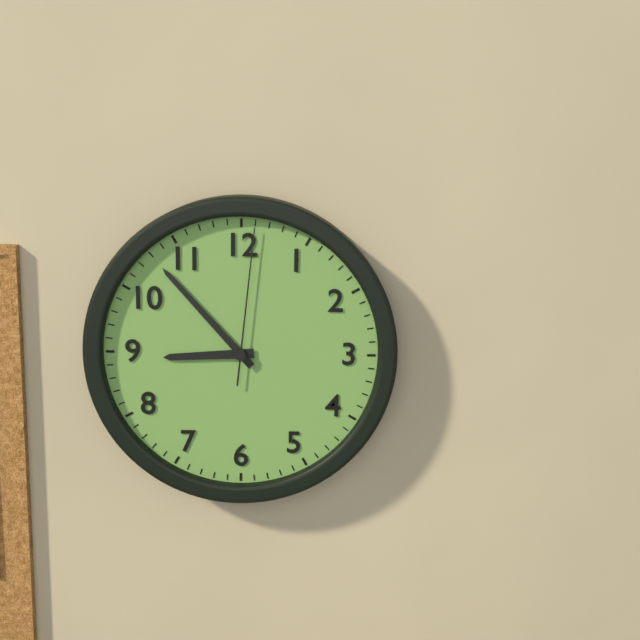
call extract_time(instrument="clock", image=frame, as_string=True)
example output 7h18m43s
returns 8h53m01s
